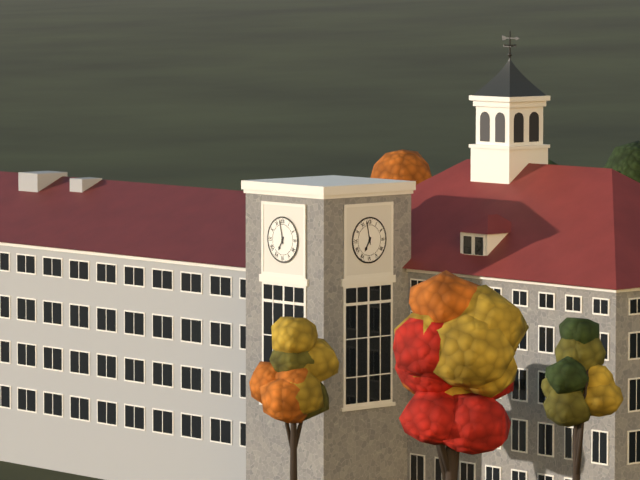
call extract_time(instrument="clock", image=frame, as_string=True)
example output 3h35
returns 6h58
